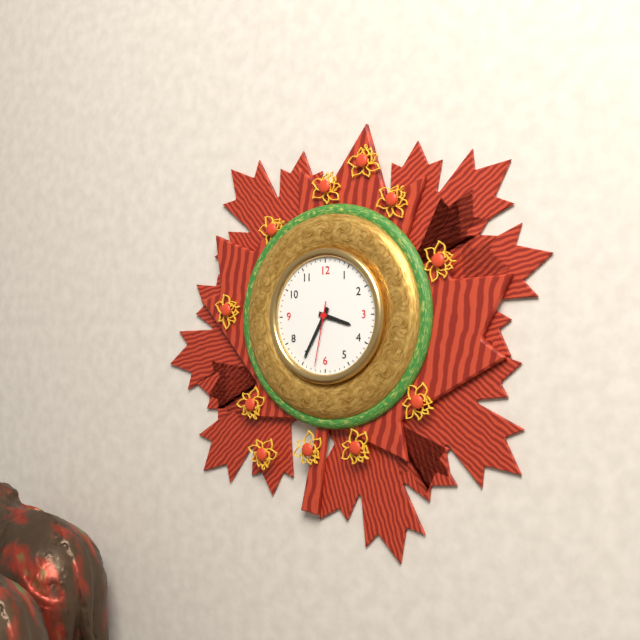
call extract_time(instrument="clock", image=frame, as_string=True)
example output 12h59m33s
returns 3h35m32s
